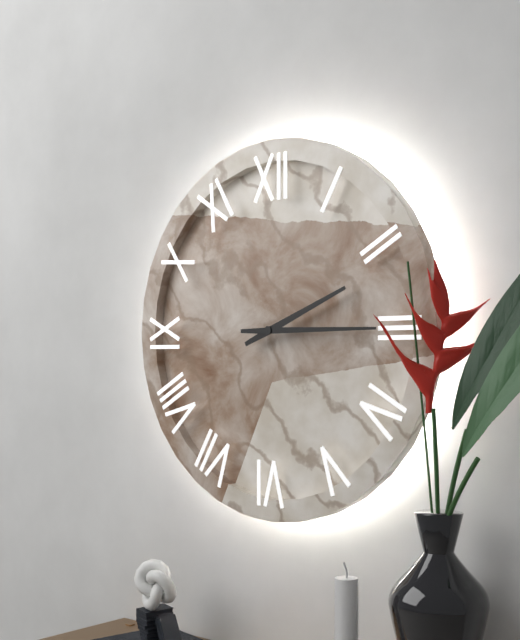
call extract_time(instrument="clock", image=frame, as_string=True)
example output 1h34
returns 2h15
